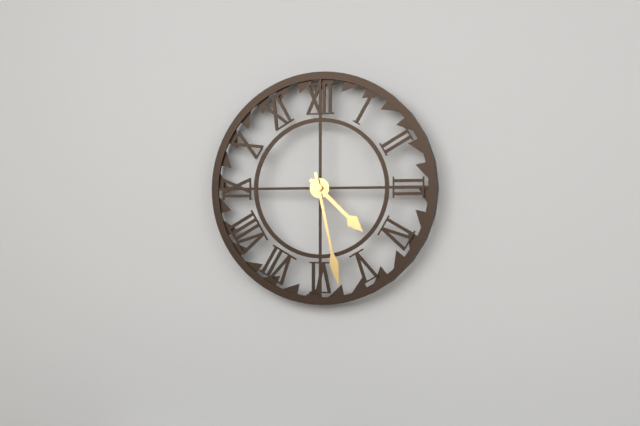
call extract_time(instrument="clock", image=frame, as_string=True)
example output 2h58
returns 4h28
